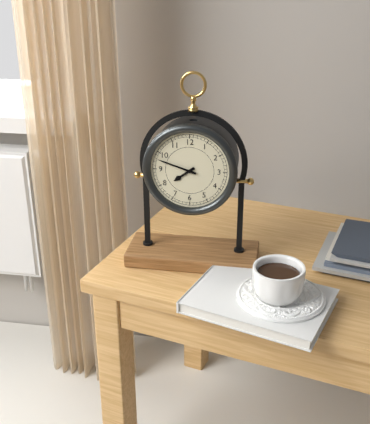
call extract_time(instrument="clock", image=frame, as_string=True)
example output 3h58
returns 7h48
